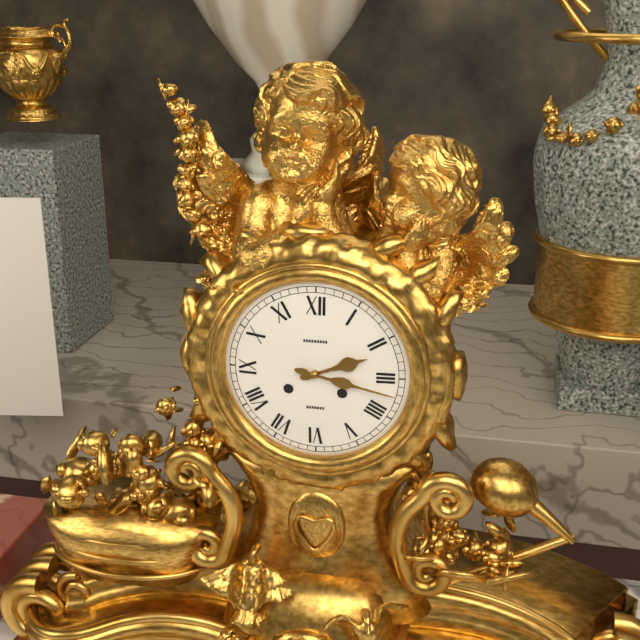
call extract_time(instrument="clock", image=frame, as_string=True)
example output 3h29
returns 2h17
